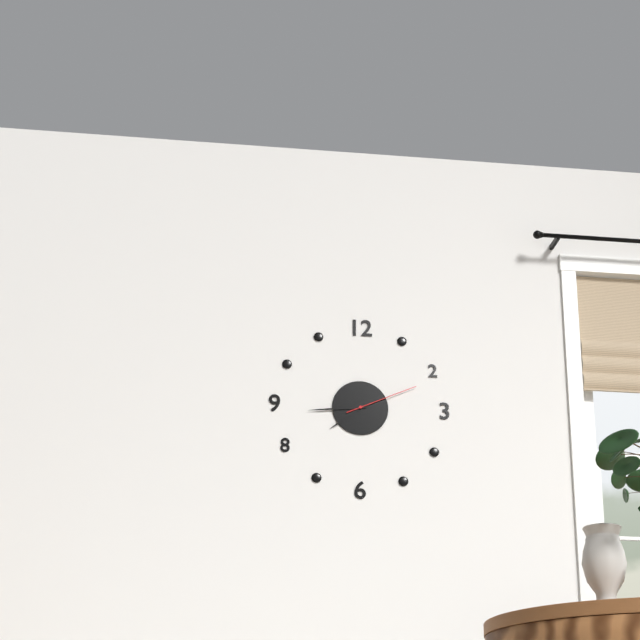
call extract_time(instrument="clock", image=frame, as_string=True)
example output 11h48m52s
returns 7h44m11s
